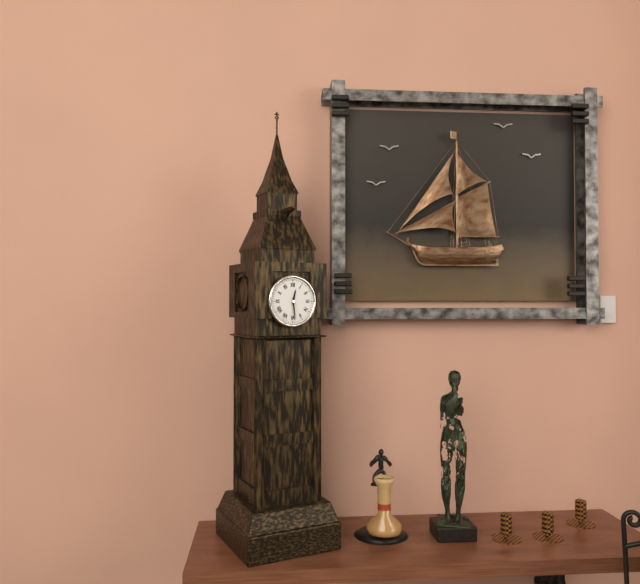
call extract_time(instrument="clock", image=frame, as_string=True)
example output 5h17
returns 12h29
